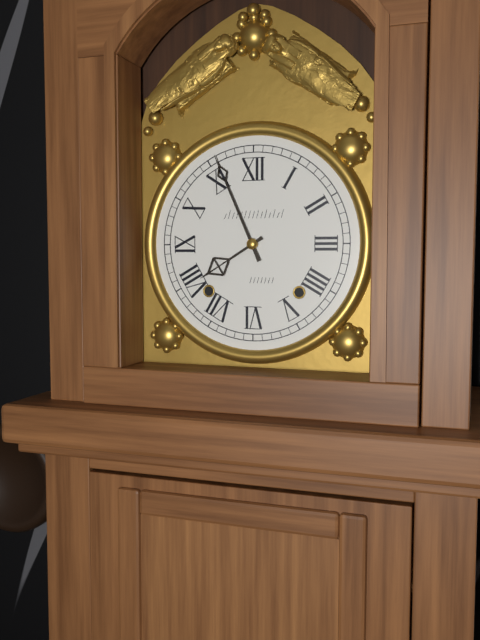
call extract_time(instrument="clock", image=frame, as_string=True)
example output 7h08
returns 7h56
